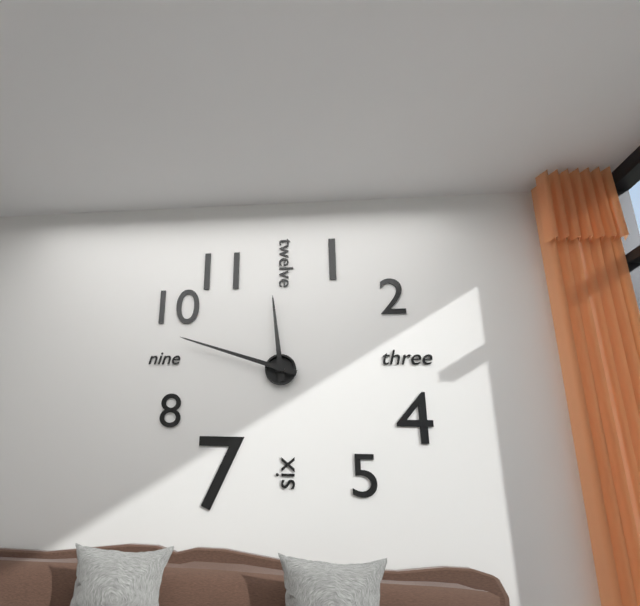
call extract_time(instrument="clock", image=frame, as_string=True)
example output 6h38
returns 11h48
